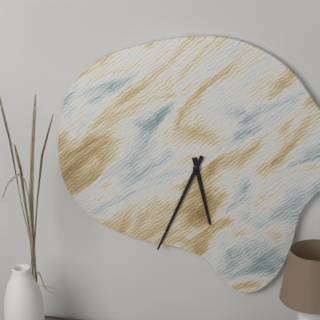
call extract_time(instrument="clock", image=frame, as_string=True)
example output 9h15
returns 5h34
